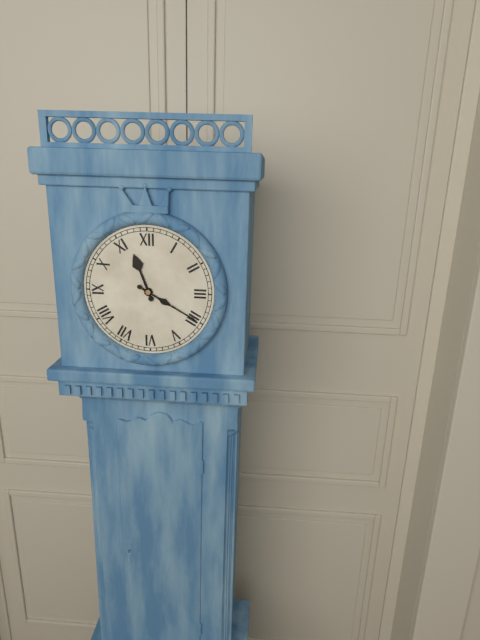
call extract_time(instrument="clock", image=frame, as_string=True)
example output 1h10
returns 11h20
